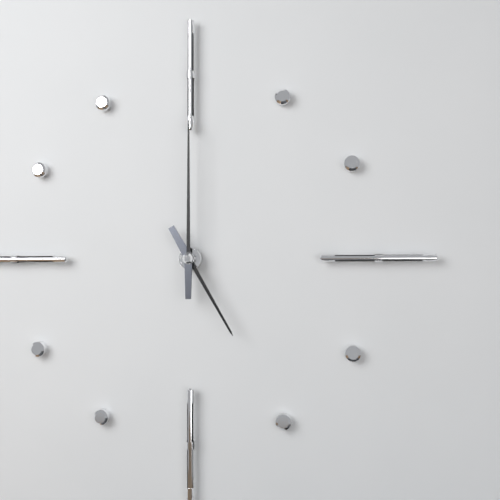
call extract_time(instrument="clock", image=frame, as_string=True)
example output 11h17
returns 5h00
